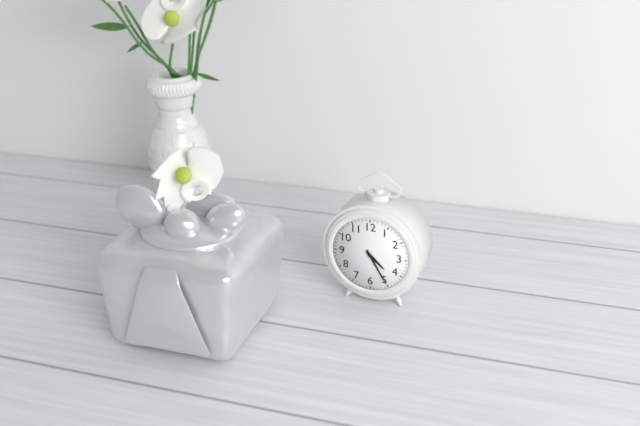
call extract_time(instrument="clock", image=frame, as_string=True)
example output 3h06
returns 4h25
